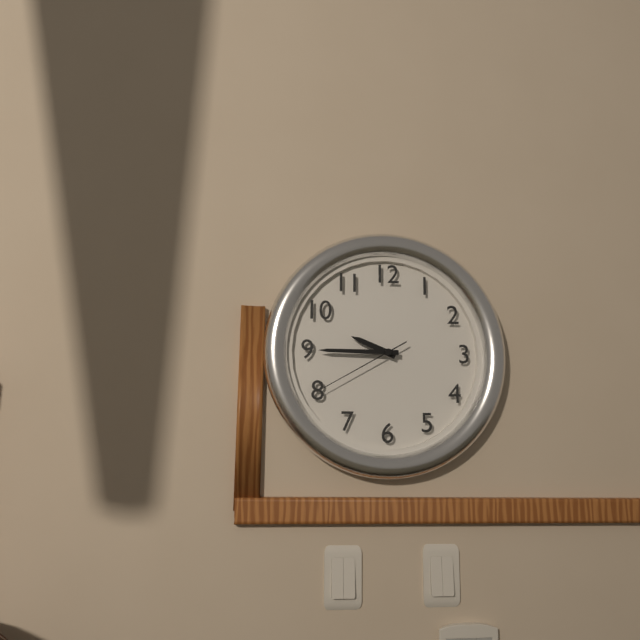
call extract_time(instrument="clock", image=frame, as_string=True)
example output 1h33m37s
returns 9h45m40s
